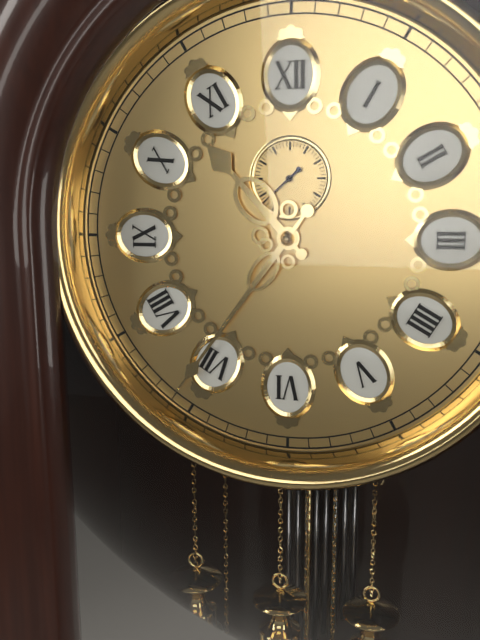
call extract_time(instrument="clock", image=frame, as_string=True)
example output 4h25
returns 10h36
